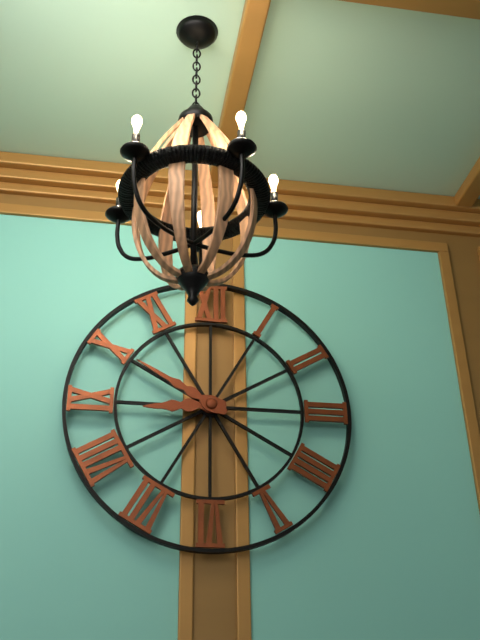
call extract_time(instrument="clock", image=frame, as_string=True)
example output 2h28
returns 8h50
